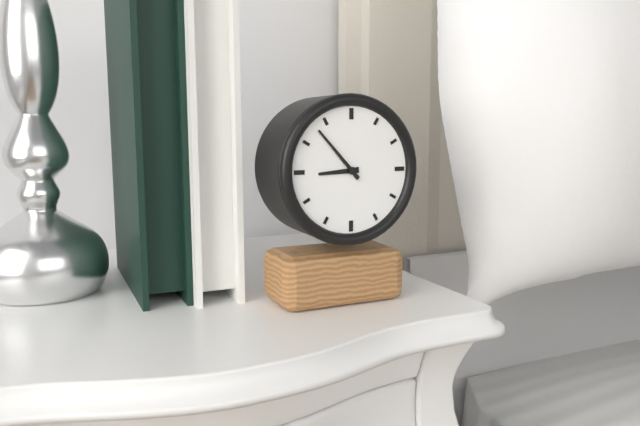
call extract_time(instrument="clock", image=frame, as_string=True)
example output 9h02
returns 8h53
